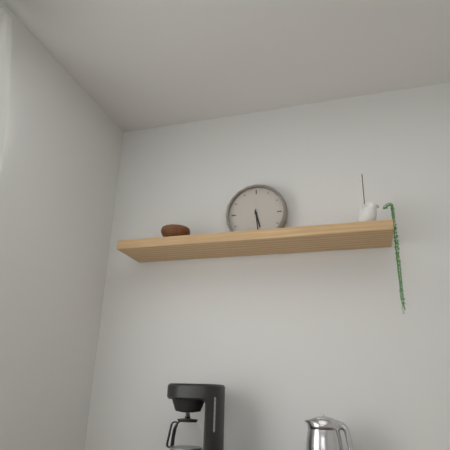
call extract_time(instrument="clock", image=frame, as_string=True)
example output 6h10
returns 5h29
